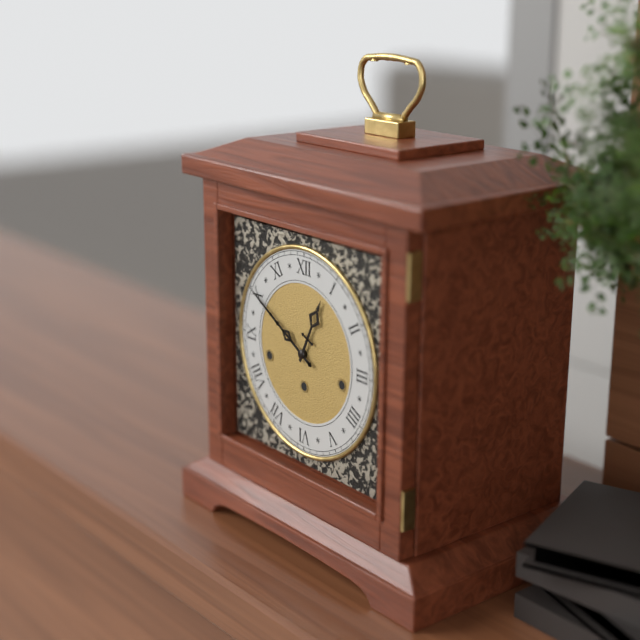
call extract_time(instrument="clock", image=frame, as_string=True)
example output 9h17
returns 12h50
